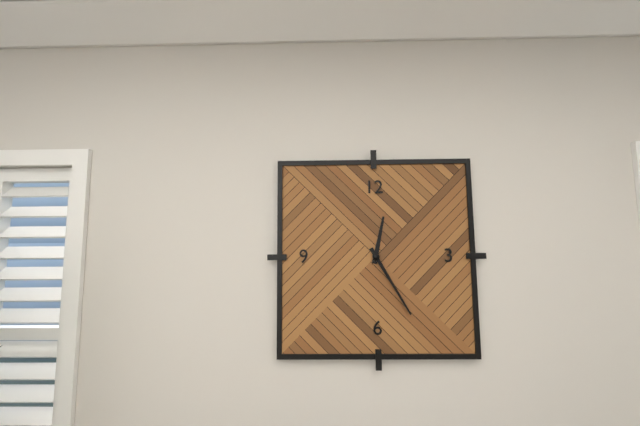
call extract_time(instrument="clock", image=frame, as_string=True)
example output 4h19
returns 12h25
